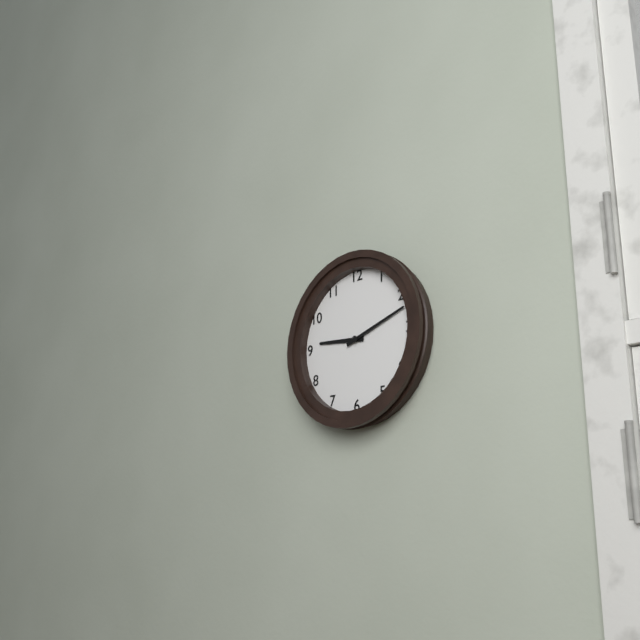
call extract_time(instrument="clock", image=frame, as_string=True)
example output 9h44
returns 9h12
